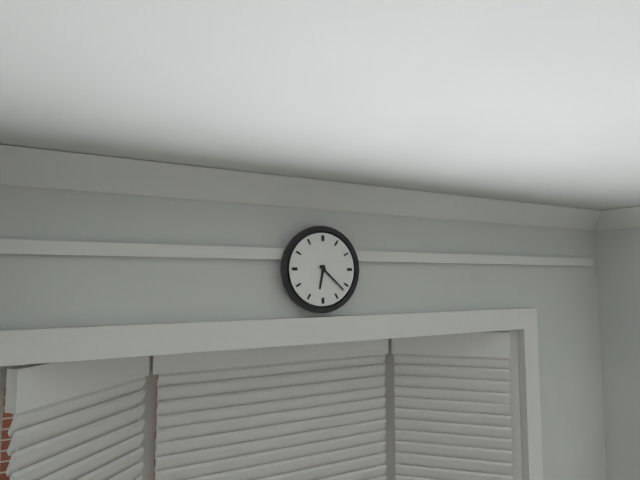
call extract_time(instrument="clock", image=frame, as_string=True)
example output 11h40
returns 6h22
